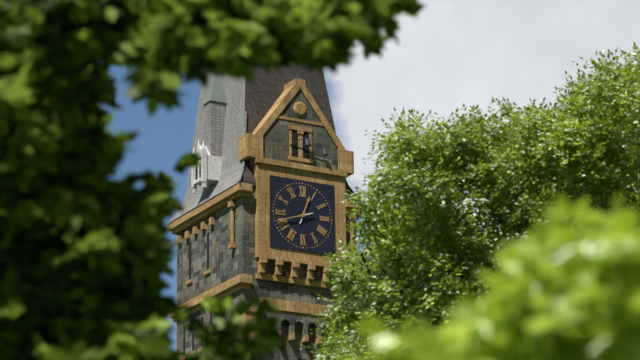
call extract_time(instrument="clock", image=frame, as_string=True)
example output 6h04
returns 12h42
